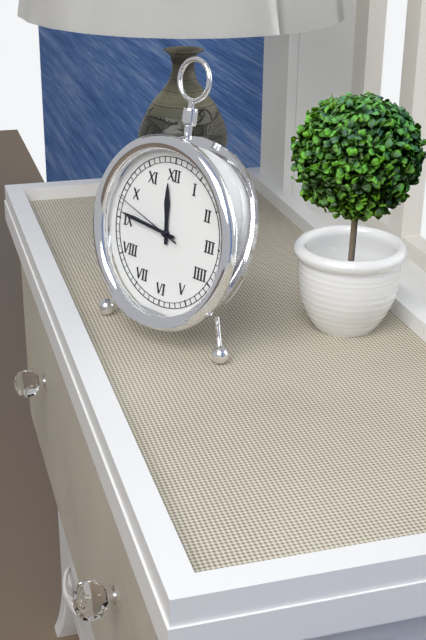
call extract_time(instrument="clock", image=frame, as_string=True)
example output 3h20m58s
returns 11h46m48s
